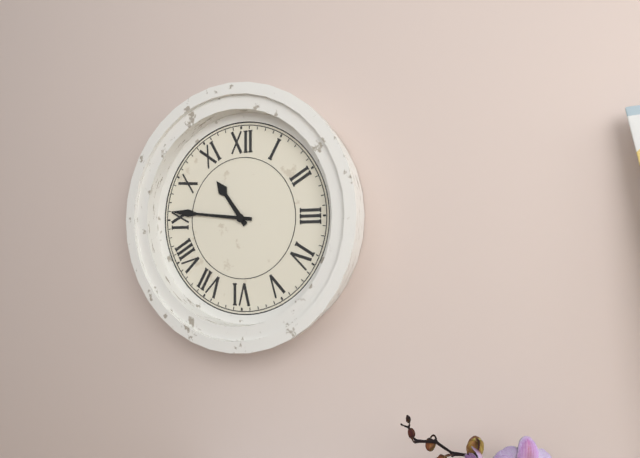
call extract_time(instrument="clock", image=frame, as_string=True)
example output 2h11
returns 10h46
